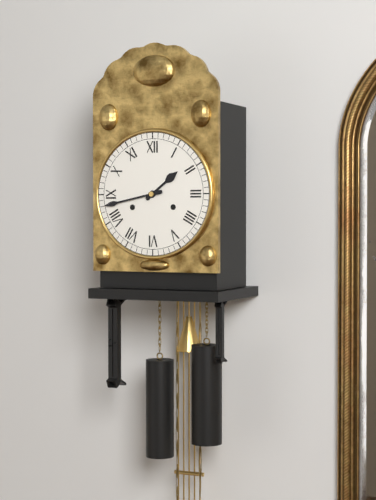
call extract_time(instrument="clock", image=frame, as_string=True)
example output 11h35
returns 1h43
